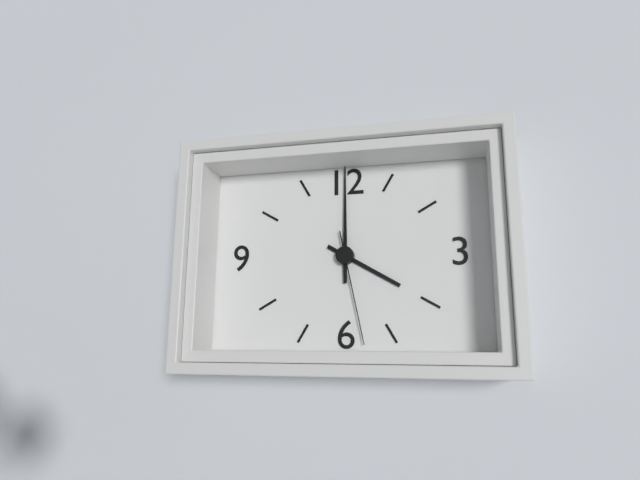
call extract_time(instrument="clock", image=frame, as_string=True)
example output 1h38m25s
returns 4h00m28s
